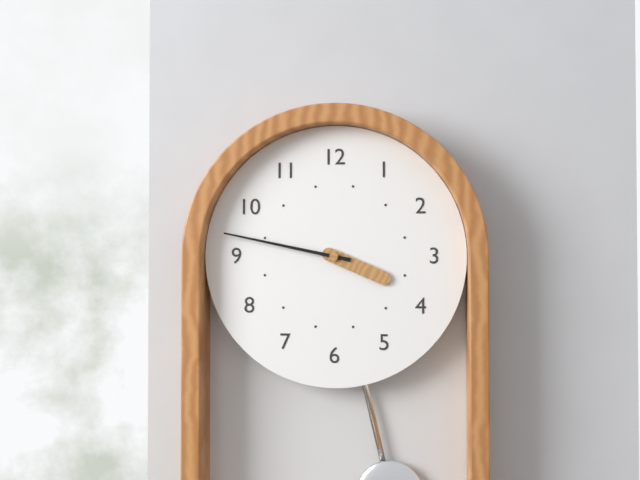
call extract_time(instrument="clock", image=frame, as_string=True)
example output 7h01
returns 3h47
